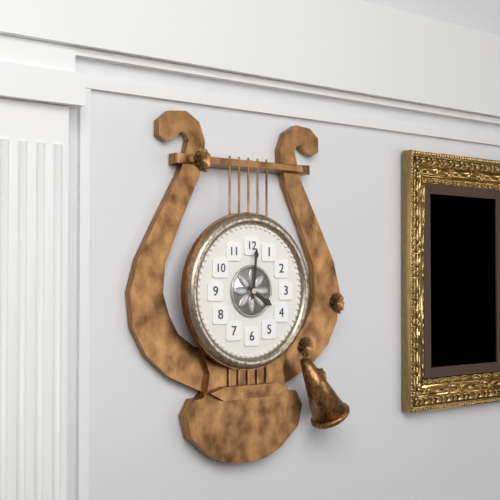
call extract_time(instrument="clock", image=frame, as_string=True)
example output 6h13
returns 4h01
